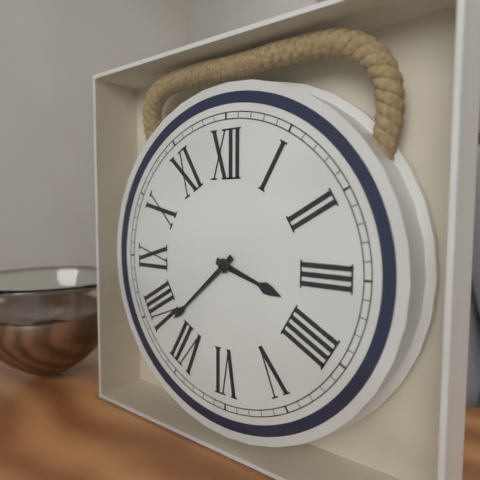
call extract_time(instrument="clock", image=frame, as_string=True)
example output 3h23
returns 3h38
